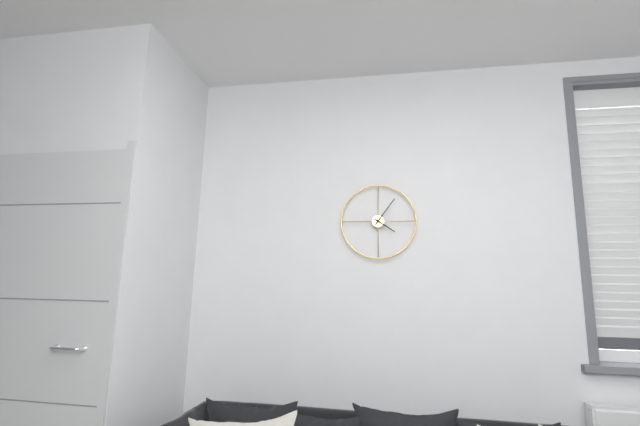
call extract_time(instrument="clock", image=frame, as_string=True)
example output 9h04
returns 4h06
